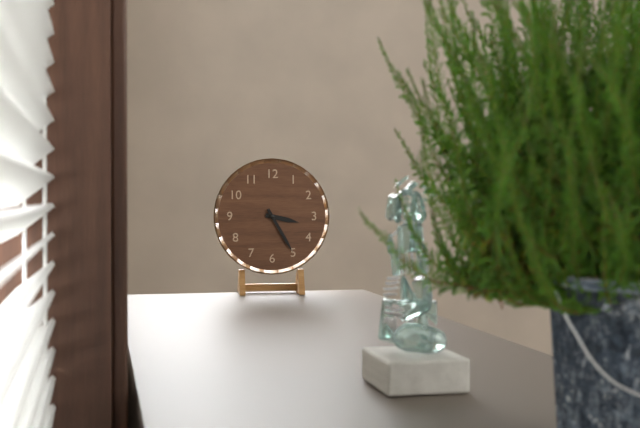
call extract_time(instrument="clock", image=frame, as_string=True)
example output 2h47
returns 3h25
